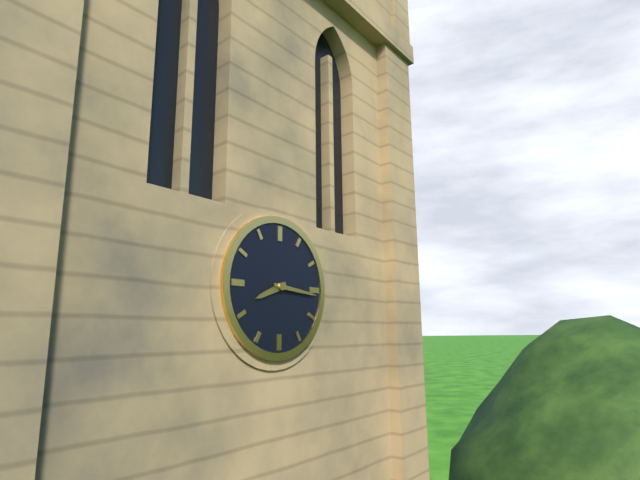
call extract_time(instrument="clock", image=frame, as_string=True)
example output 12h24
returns 8h16
